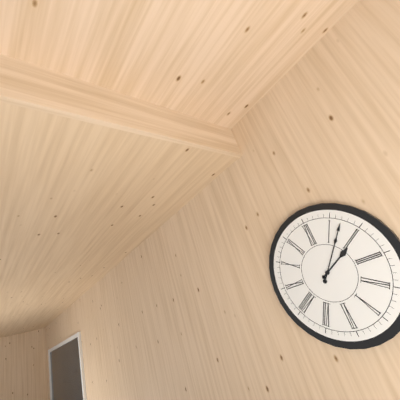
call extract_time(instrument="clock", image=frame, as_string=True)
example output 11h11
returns 2h07
